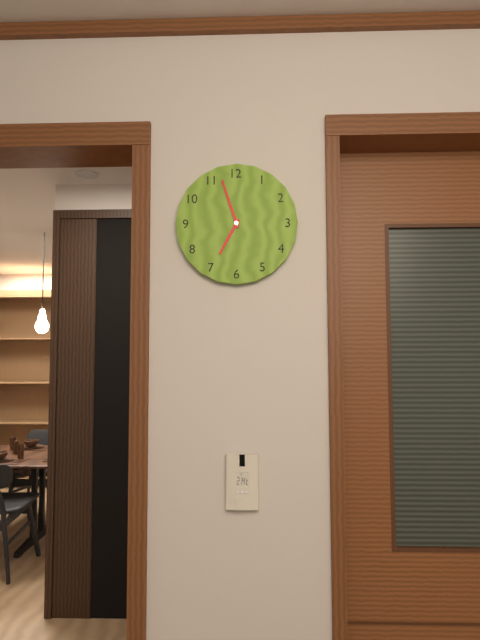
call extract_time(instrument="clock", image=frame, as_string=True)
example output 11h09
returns 6h57
